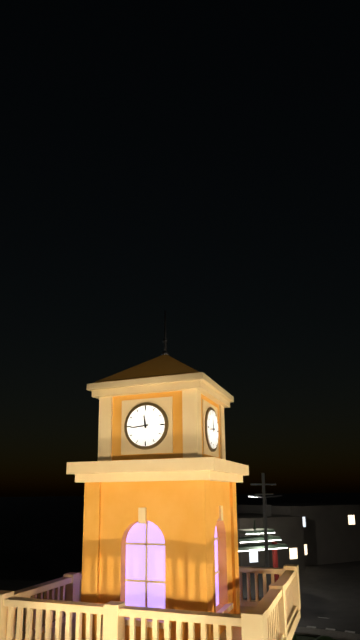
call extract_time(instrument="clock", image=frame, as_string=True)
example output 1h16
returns 11h44
